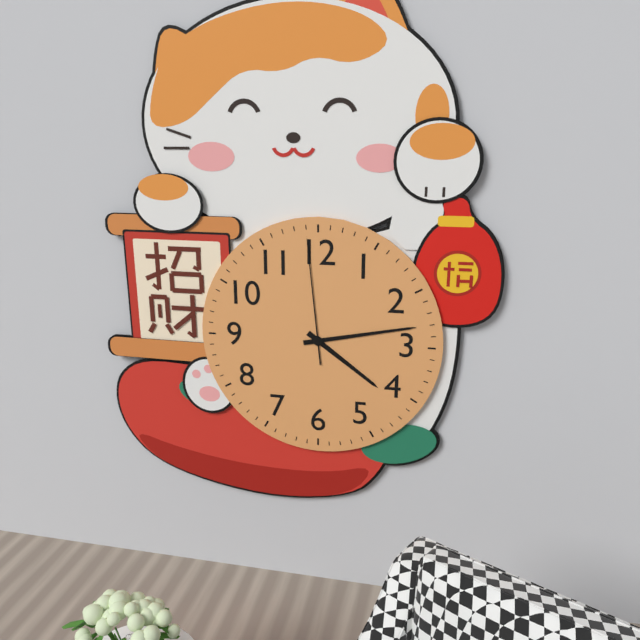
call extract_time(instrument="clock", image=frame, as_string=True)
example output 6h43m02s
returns 4h13m59s
